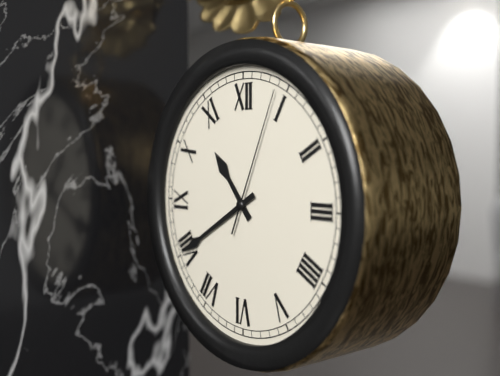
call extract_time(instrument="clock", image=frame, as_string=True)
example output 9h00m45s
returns 10h40m04s
